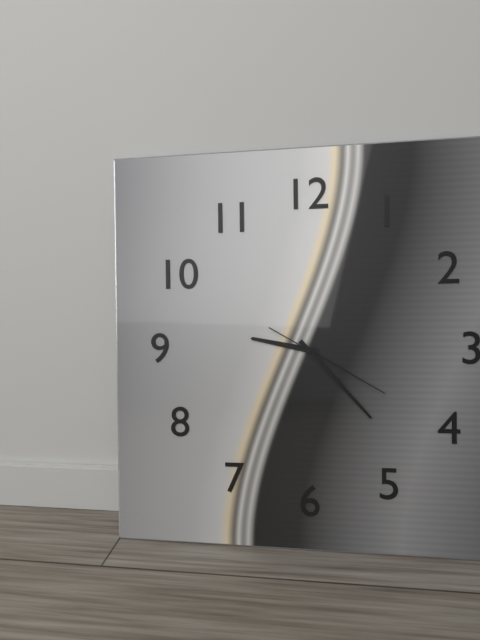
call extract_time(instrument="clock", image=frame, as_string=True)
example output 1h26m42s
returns 9h23m20s
